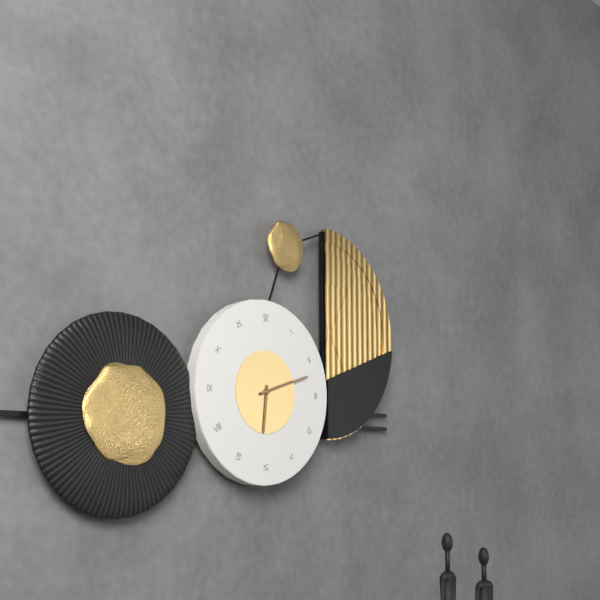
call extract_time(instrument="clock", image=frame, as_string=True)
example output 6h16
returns 6h12
